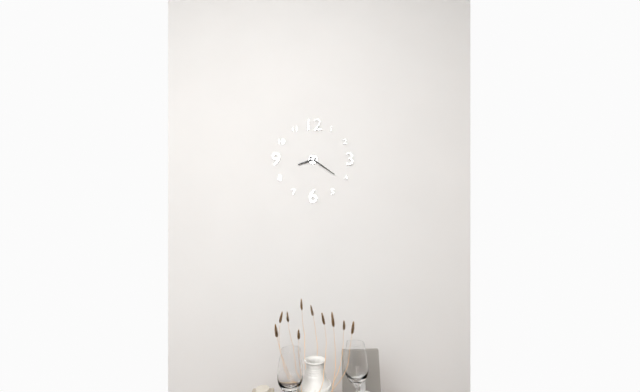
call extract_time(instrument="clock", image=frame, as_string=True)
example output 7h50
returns 8h21
